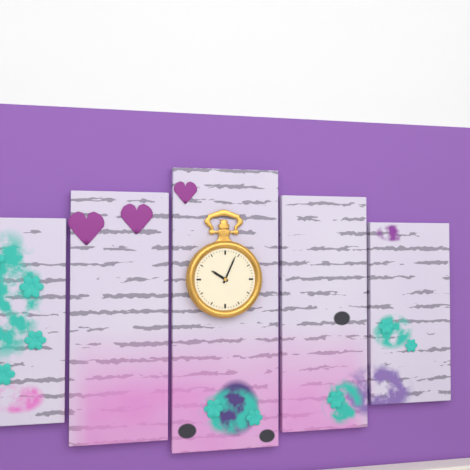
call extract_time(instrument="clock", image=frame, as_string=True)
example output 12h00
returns 10h04
